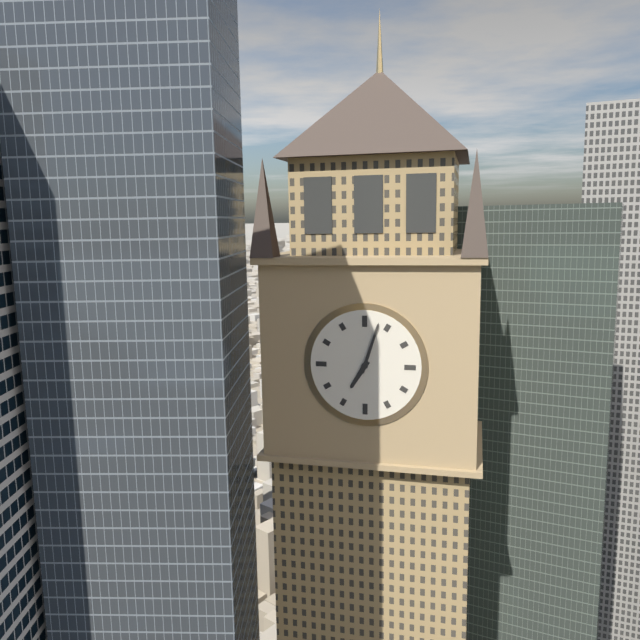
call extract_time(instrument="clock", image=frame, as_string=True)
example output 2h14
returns 7h03
